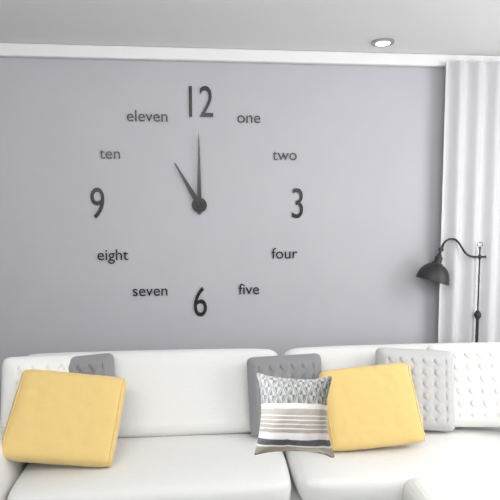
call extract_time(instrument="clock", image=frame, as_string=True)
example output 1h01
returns 11h00
